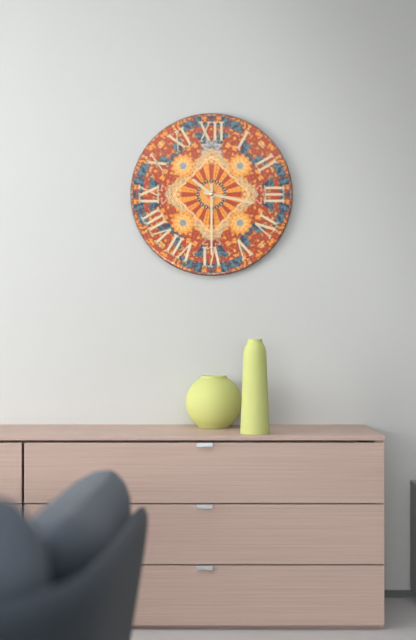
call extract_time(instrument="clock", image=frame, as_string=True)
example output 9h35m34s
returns 10h17m30s
